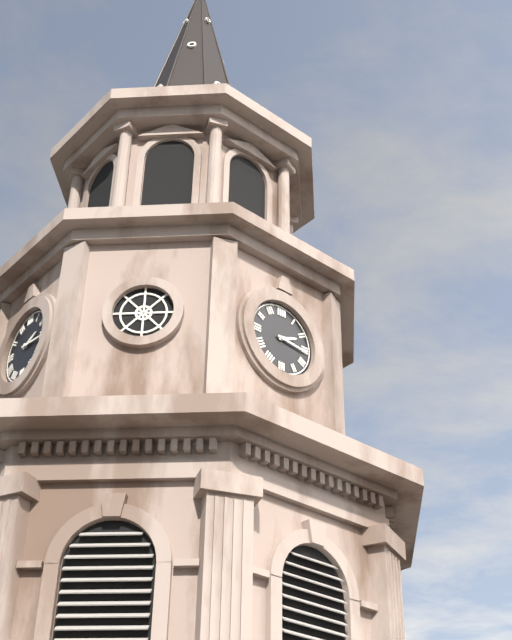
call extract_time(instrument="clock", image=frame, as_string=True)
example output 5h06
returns 2h16
